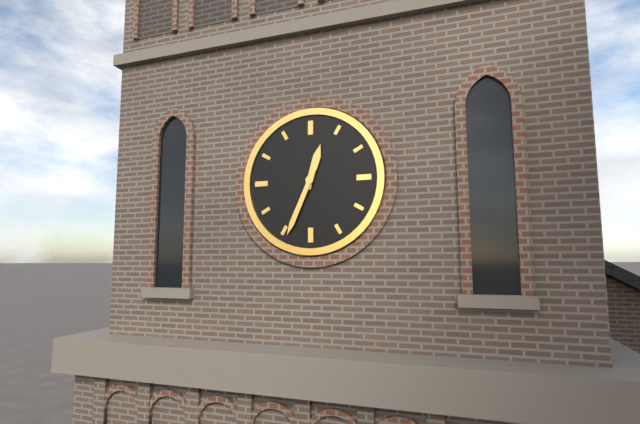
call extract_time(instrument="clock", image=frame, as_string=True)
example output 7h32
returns 12h34
